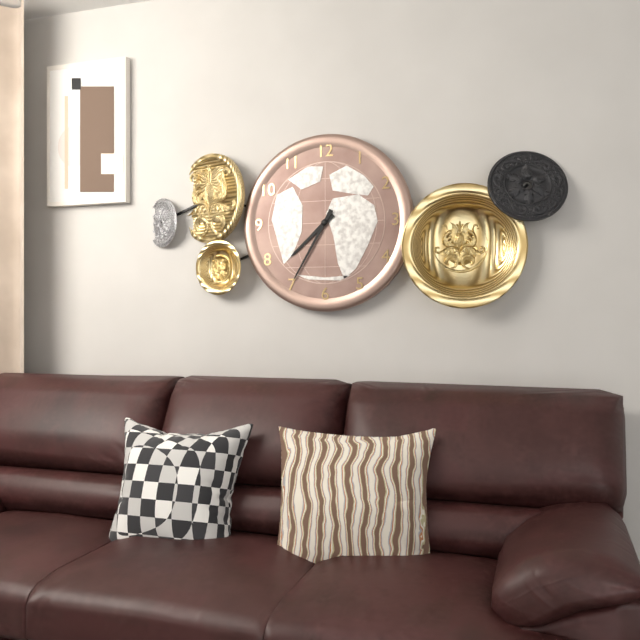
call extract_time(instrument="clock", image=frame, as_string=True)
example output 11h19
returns 7h35
